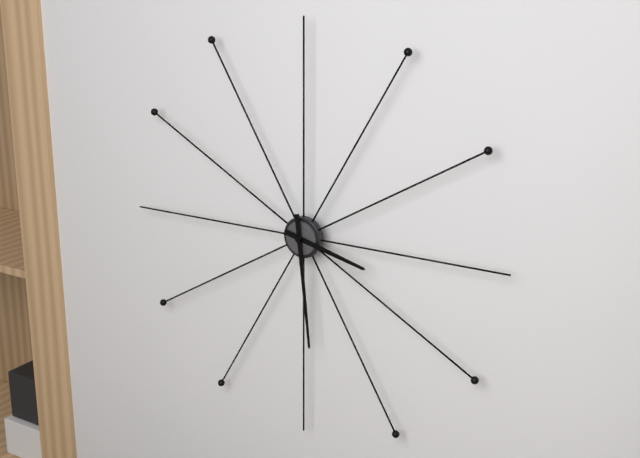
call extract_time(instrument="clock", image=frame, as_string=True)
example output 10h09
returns 3h29
